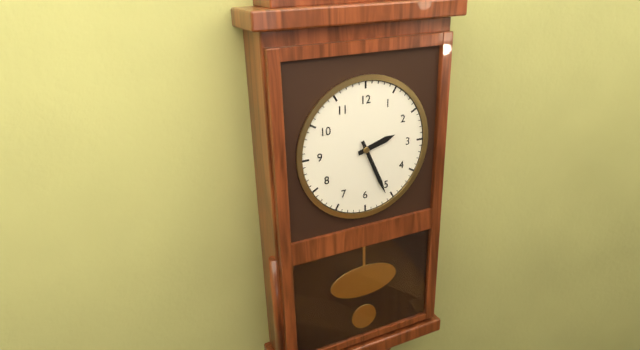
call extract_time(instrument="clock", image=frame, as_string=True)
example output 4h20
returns 2h26
